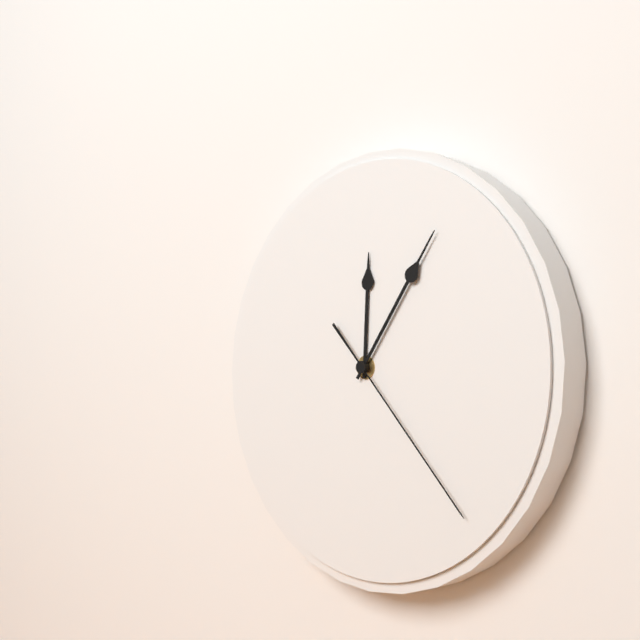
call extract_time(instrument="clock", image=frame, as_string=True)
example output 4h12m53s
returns 12h06m23s
